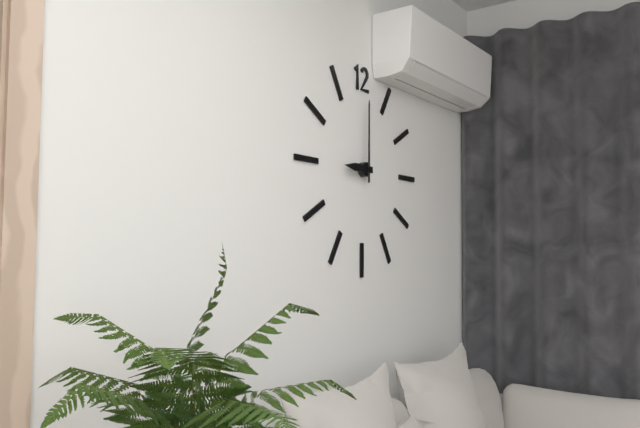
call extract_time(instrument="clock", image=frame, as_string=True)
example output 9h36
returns 9h00
